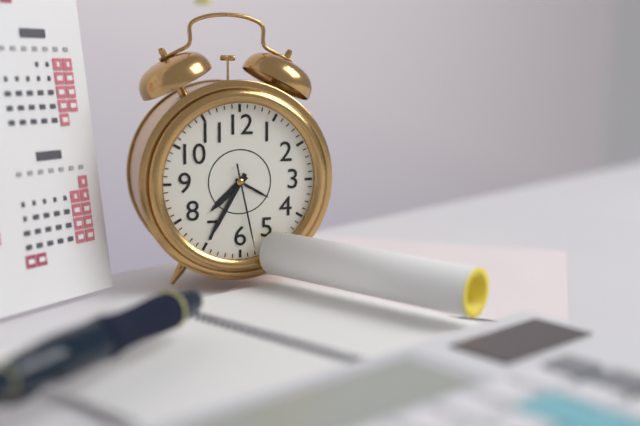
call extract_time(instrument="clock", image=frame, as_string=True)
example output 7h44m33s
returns 7h35m28s
